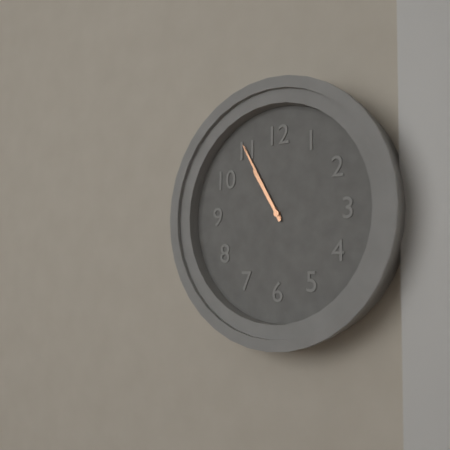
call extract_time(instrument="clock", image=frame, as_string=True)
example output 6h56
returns 10h55
